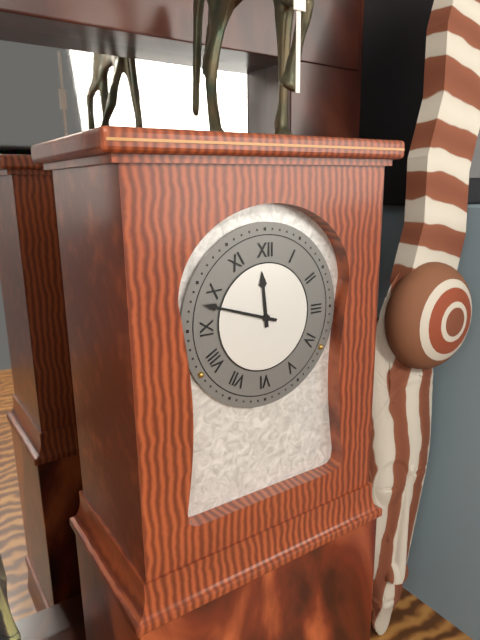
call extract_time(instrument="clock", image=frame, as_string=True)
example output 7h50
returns 11h48
